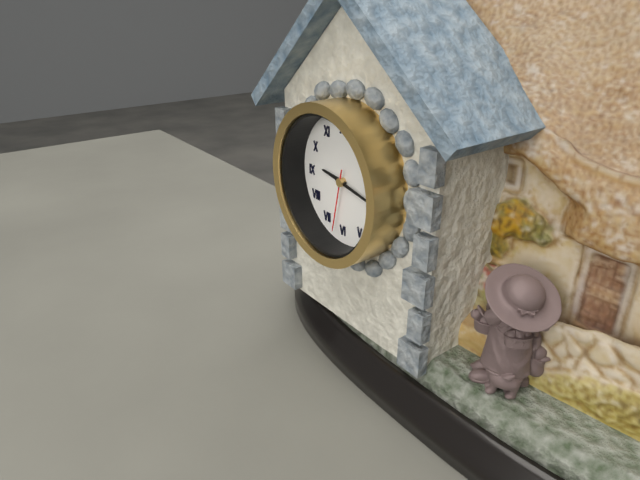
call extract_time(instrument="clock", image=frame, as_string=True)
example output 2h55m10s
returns 9h17m32s
